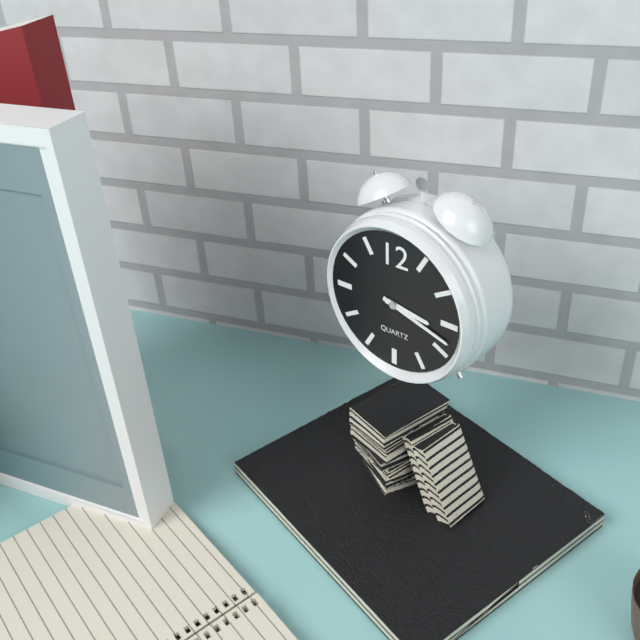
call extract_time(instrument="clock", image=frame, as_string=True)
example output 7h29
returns 3h18
